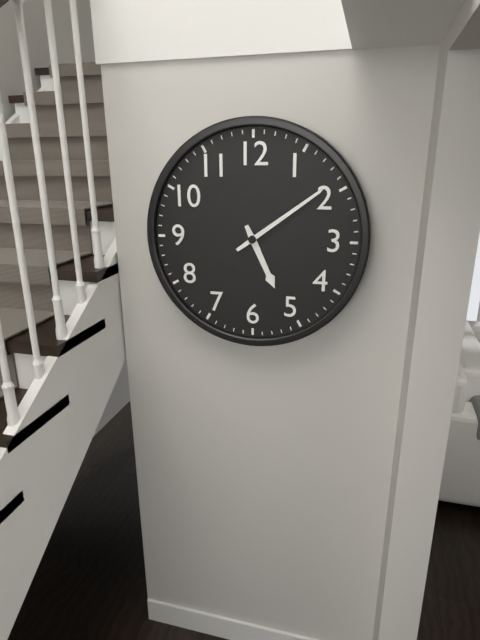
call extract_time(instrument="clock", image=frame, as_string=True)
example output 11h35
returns 5h09
